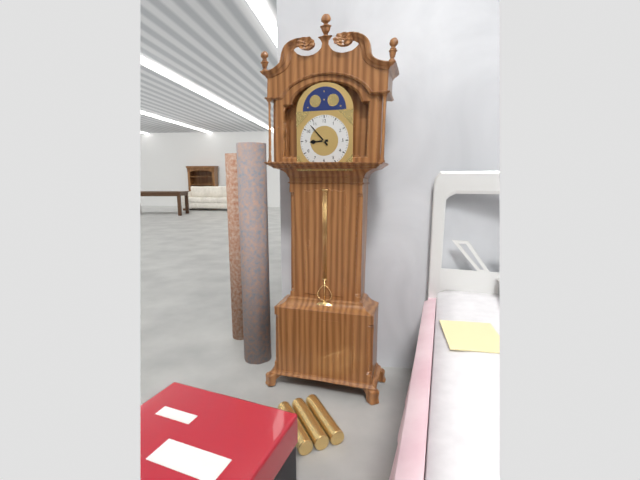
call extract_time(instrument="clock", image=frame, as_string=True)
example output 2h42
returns 8h53
